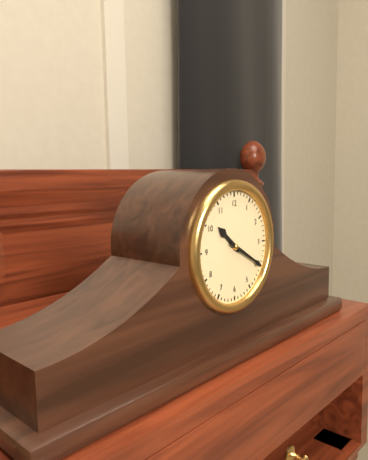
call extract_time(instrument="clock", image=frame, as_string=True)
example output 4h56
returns 10h20
